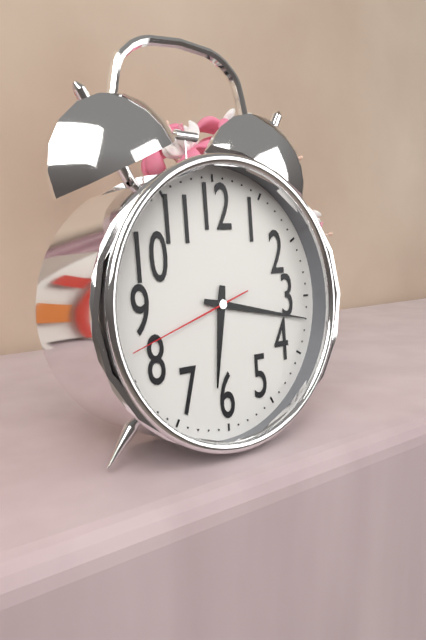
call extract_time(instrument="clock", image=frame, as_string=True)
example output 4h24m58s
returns 6h17m42s
